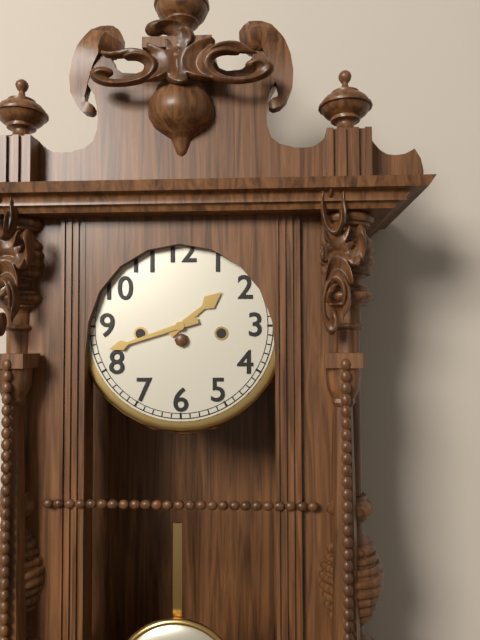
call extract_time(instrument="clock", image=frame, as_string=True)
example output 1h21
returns 1h42
